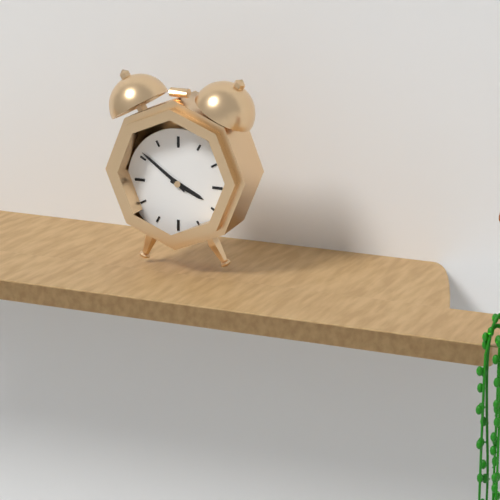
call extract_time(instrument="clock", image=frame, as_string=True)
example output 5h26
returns 3h51
